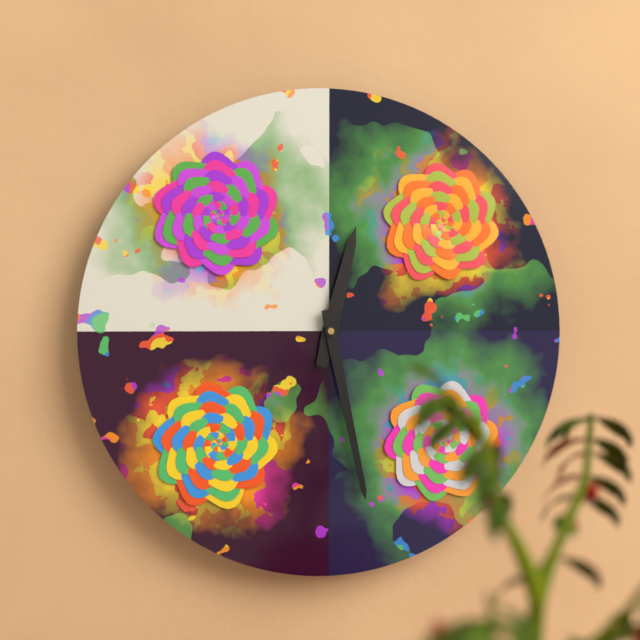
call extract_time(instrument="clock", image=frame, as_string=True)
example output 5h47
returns 12h28
